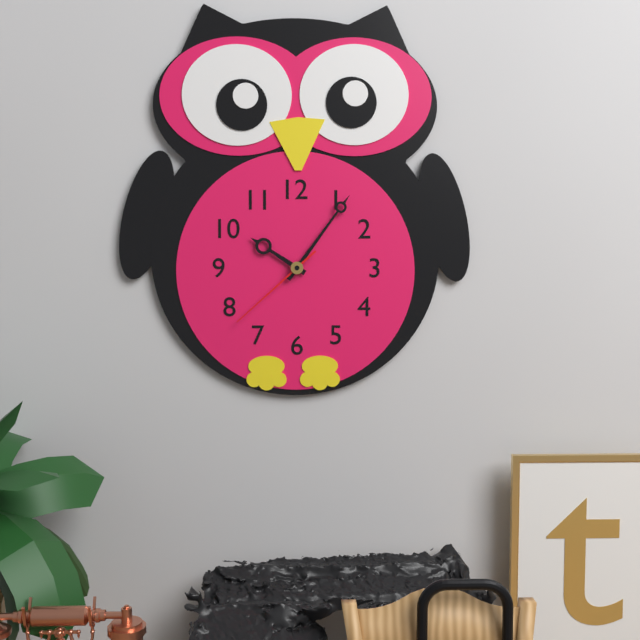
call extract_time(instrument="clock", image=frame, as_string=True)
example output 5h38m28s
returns 10h06m38s
